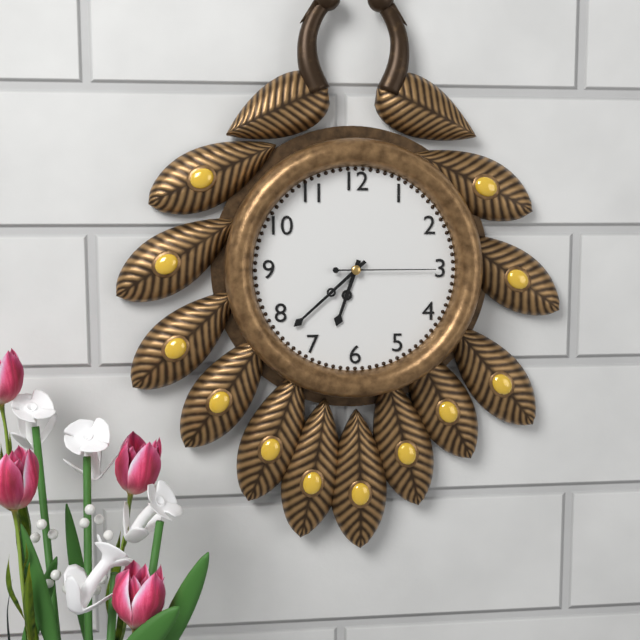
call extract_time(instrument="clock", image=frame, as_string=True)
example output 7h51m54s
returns 6h38m15s
